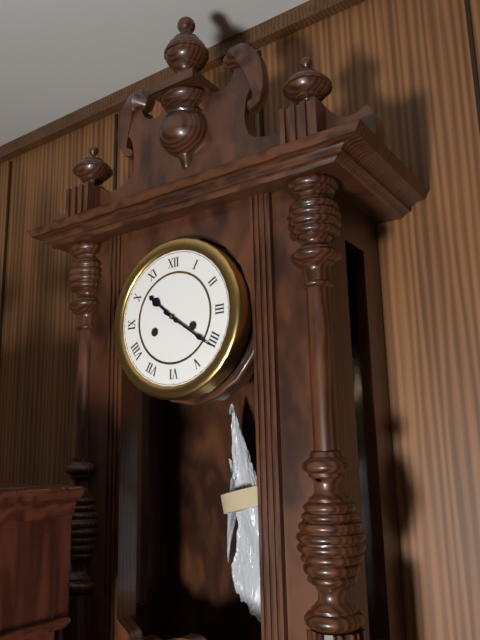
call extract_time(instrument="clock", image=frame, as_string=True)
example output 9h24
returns 10h21
